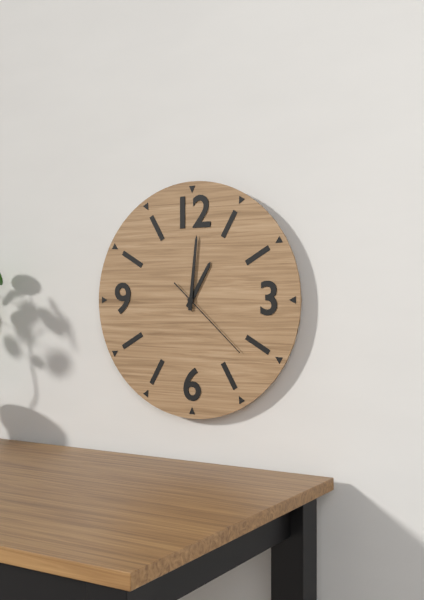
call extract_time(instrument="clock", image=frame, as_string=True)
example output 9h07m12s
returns 1h01m22s
